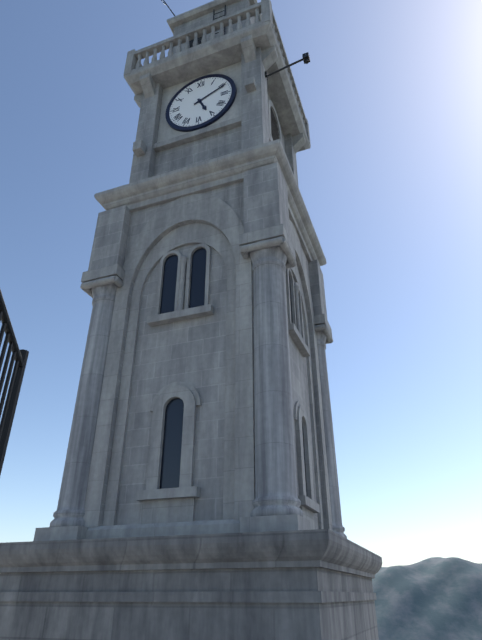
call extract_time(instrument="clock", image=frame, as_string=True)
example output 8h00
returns 5h11
